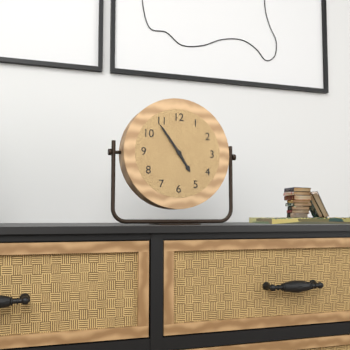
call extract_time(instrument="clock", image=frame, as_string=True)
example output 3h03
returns 4h54
